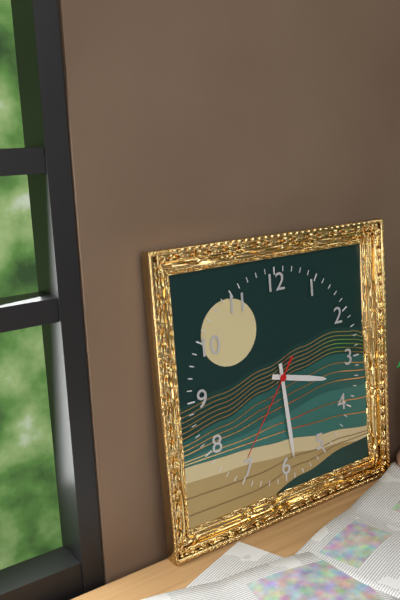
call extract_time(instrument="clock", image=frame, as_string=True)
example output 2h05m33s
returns 3h29m36s
